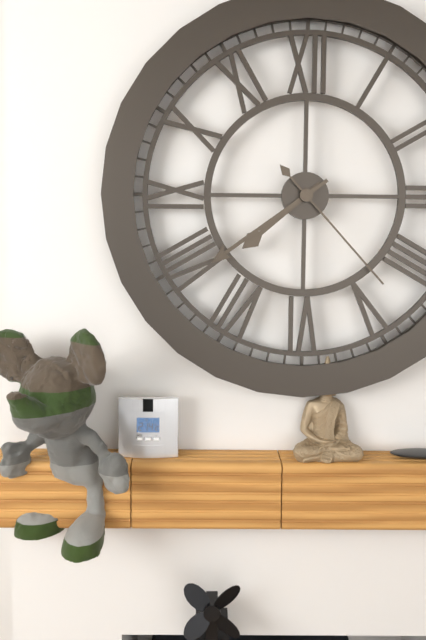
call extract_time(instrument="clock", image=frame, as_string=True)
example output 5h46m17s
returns 7h39m23s
